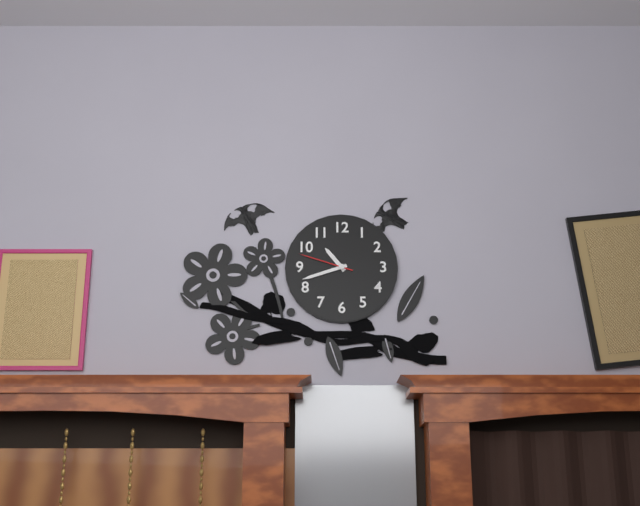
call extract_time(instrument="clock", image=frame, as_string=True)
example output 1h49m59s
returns 10h42m48s
